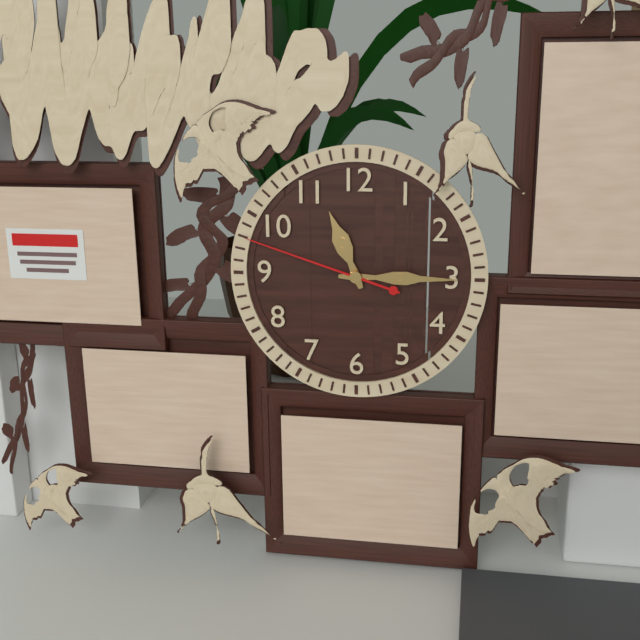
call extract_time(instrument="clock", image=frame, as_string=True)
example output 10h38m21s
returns 11h15m48s
